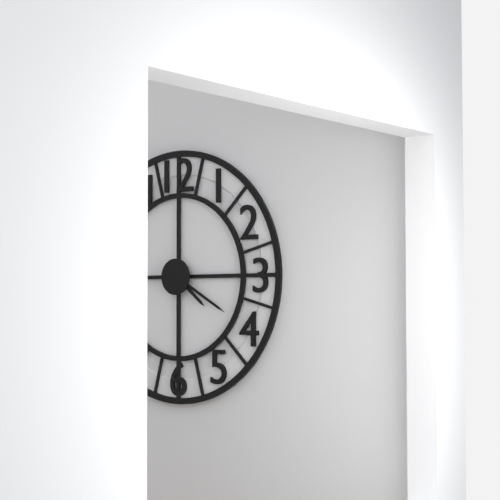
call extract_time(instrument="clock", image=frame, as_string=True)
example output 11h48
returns 4h20
